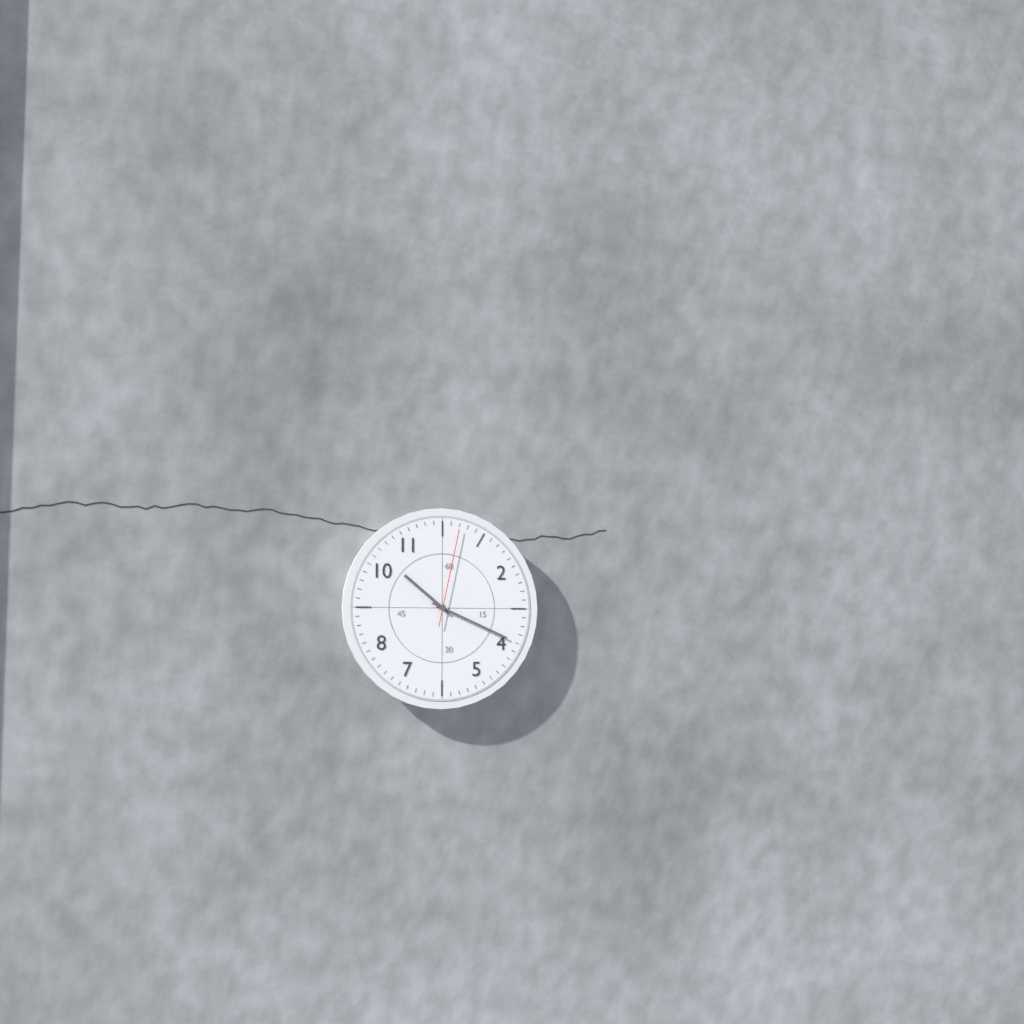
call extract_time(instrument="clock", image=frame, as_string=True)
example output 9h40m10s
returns 10h19m02s
